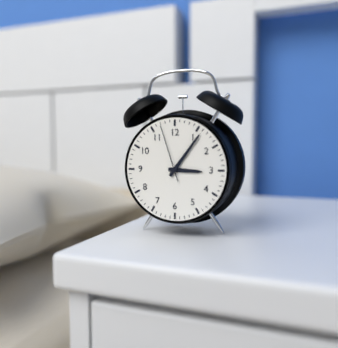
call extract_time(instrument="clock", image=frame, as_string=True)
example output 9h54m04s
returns 3h06m57s
